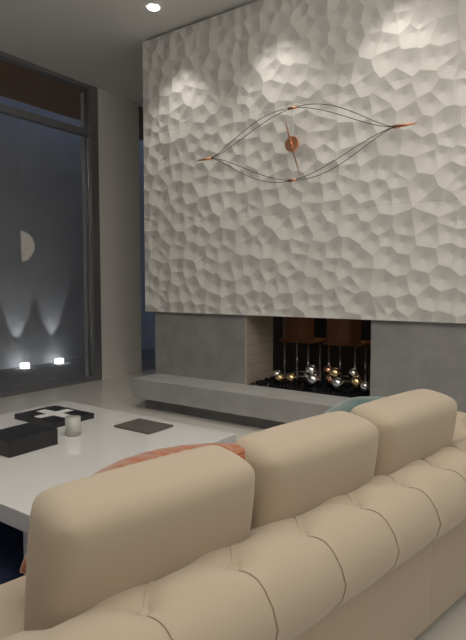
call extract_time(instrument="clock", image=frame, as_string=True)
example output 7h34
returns 11h27
